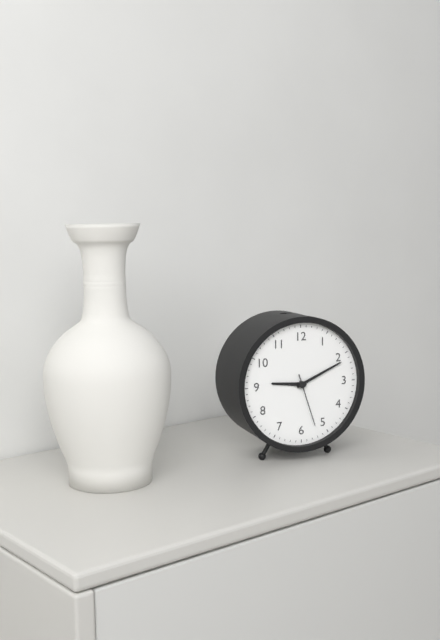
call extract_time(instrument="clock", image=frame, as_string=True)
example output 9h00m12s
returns 9h11m27s
